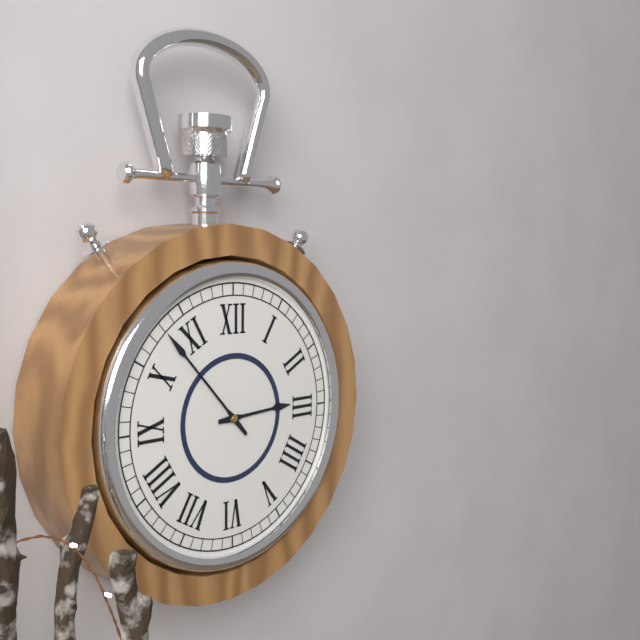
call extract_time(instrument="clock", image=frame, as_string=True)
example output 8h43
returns 2h53
